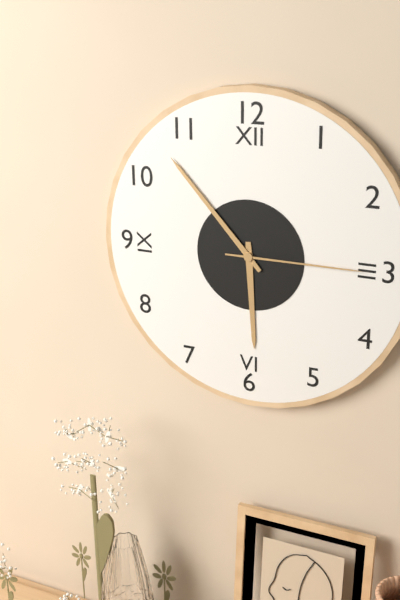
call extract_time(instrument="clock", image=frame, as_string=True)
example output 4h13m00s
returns 5h53m15s
